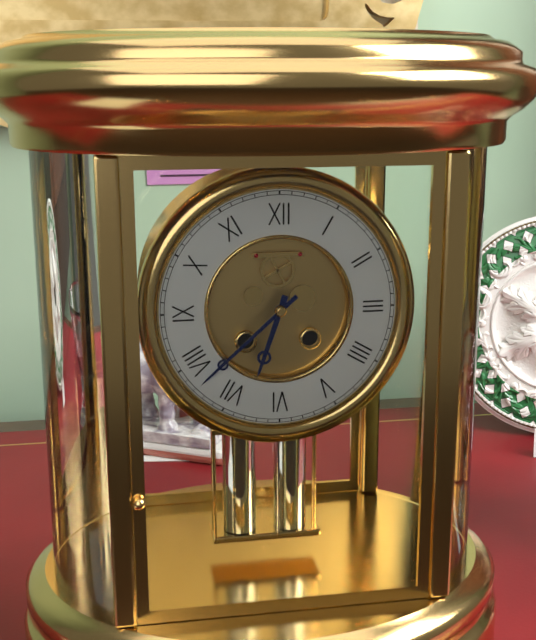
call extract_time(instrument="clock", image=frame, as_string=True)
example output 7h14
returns 6h38
